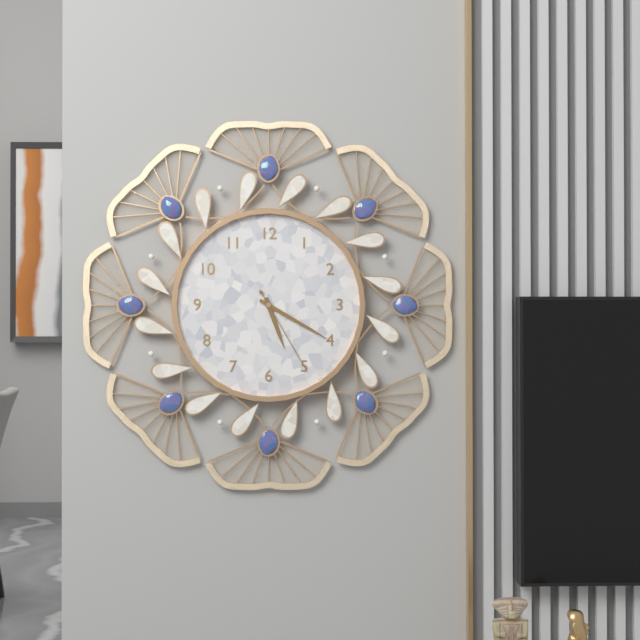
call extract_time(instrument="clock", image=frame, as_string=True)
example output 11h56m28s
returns 5h20m25s
